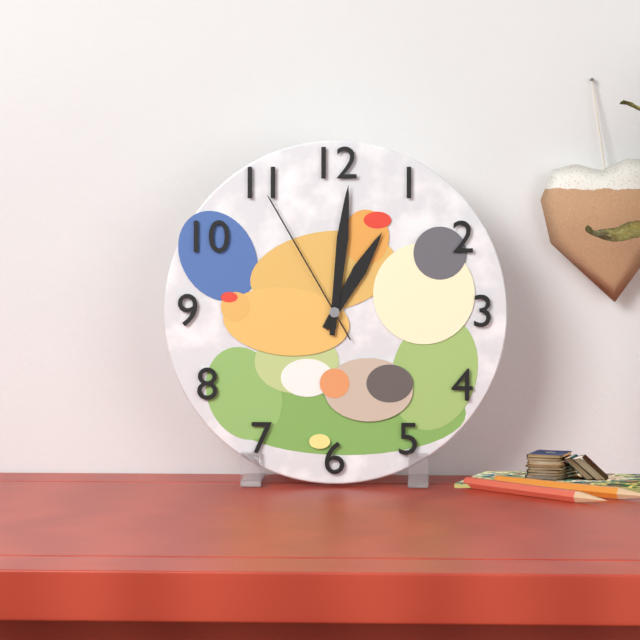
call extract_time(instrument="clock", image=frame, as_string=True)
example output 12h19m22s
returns 1h01m55s
